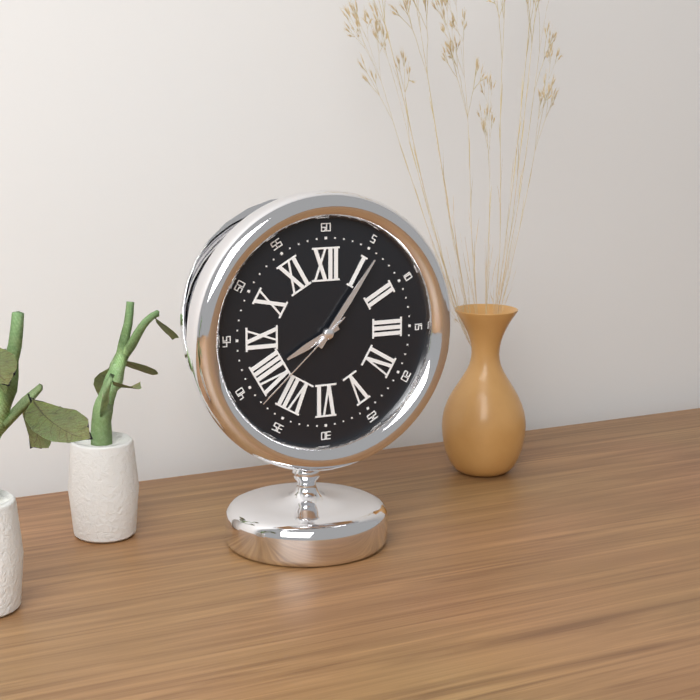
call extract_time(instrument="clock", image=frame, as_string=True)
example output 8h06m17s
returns 8h06m38s
